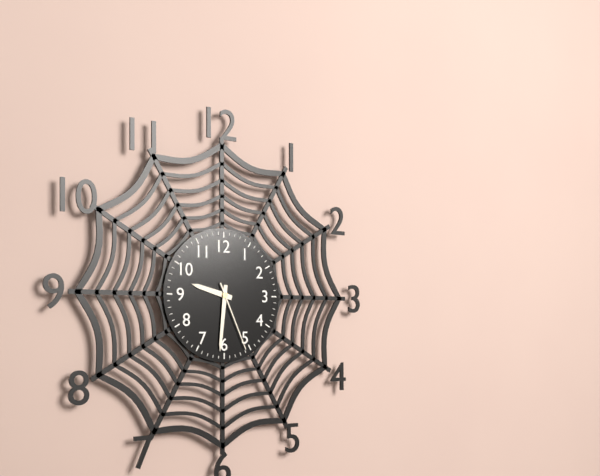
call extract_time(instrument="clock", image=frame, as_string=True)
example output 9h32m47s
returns 9h31m26s
